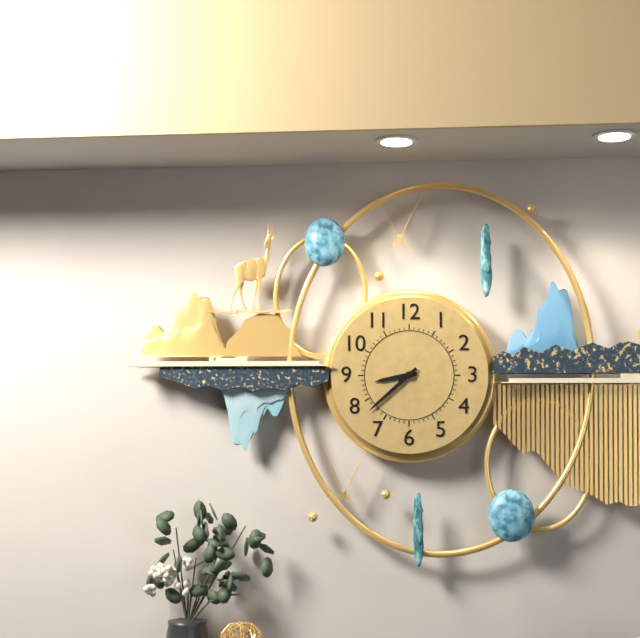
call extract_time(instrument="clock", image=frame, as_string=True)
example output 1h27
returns 8h38
